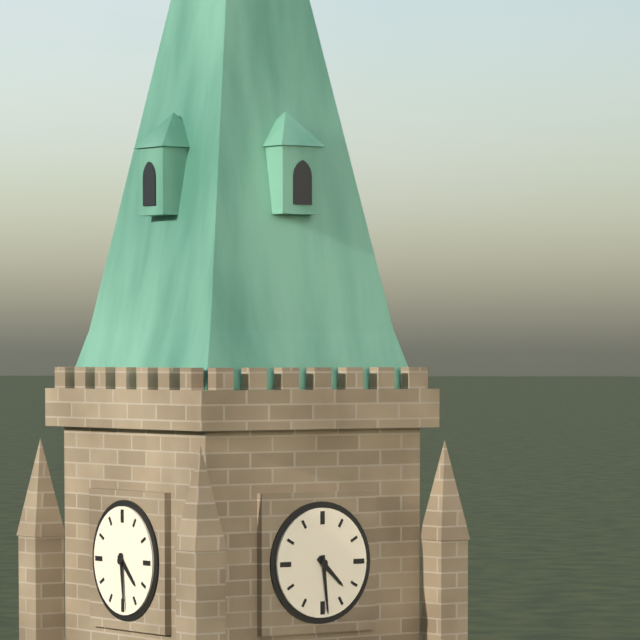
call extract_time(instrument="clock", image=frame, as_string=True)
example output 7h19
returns 4h29
